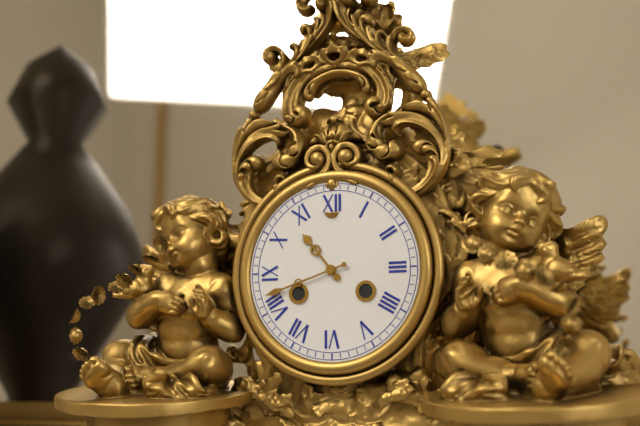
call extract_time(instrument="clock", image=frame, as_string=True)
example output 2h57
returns 10h42
